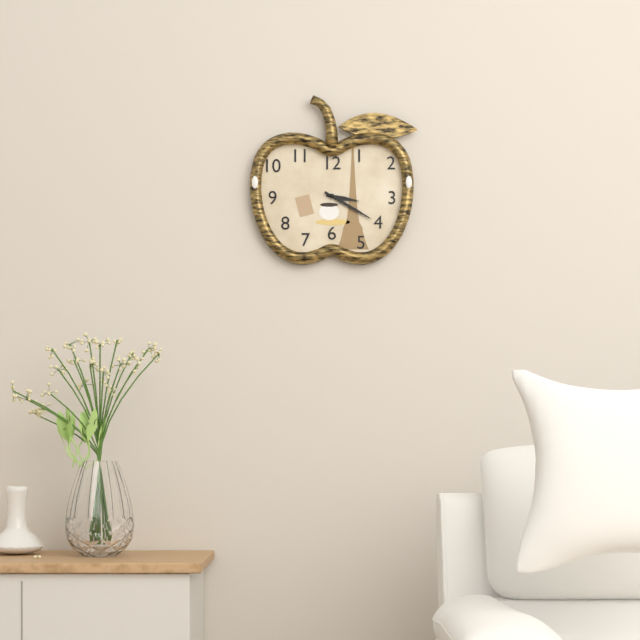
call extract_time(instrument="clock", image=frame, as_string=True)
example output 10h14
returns 3h20
